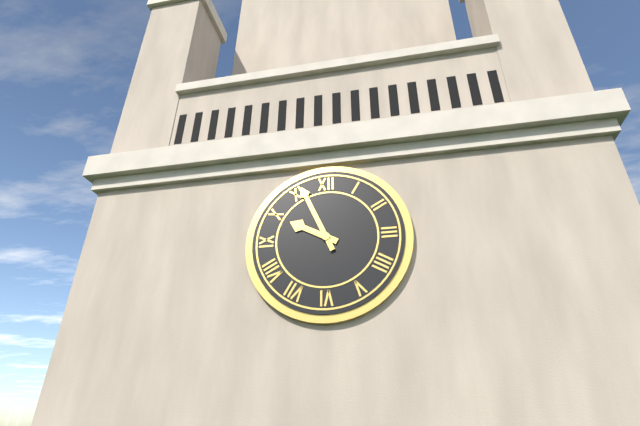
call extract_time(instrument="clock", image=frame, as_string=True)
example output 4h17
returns 9h56
